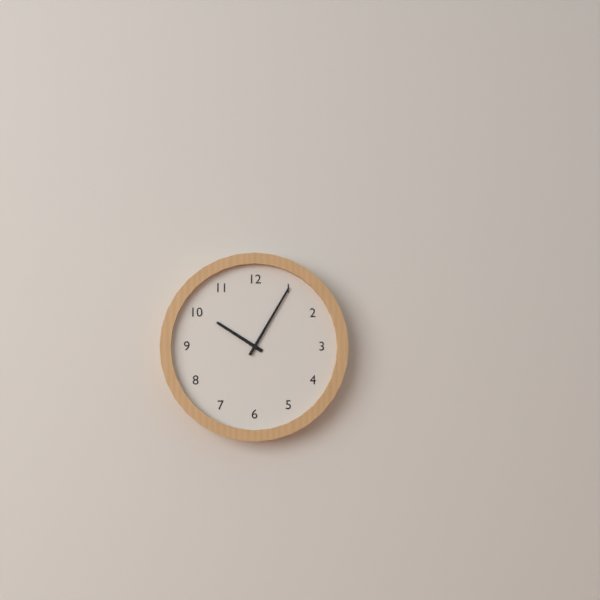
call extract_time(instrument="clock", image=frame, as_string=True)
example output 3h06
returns 10h05
